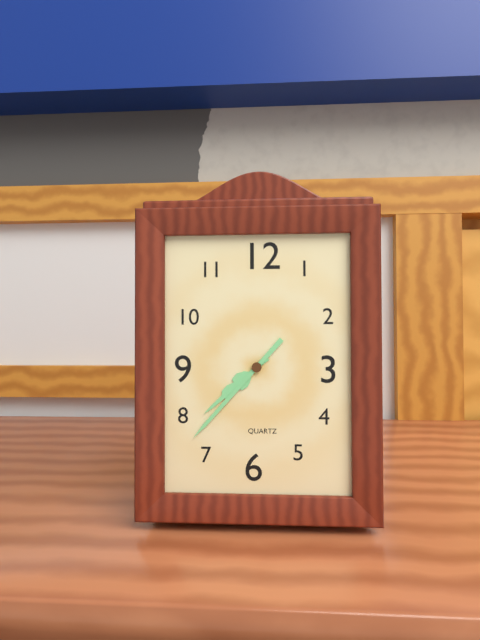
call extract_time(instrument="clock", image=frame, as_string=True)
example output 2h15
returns 7h37
